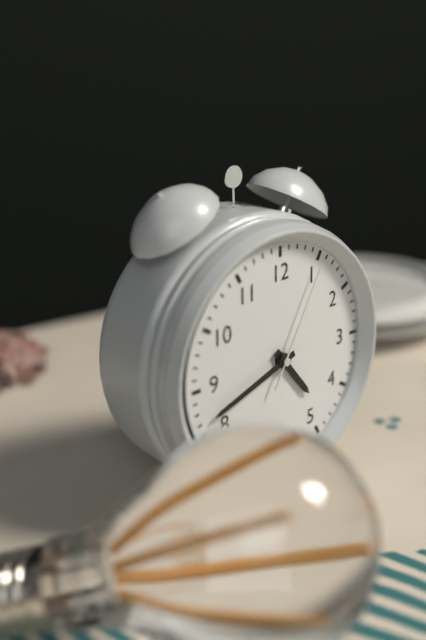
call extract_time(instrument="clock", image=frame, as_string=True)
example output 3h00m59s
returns 4h42m05s
